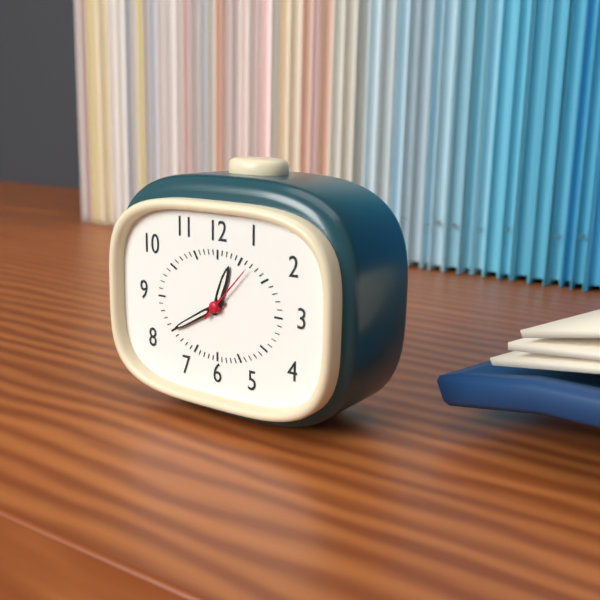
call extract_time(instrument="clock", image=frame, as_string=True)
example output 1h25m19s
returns 12h40m07s
